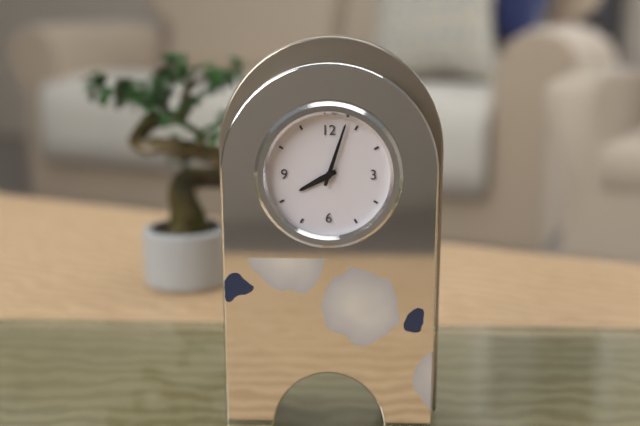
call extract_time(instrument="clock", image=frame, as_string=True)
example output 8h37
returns 8h03
